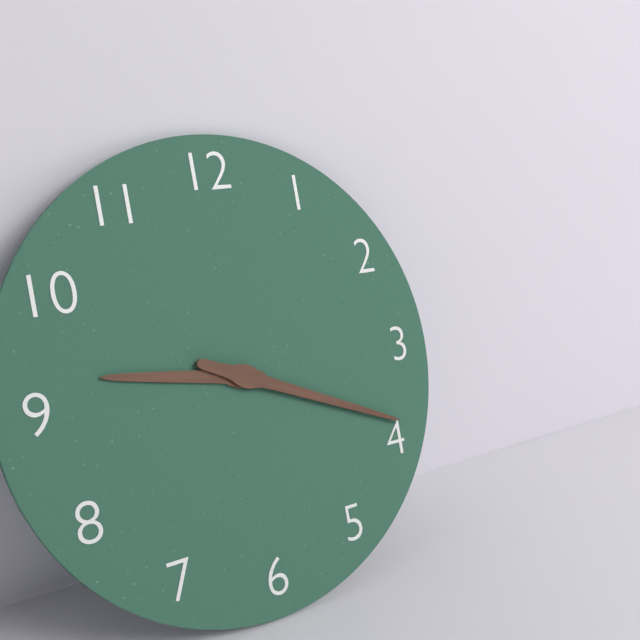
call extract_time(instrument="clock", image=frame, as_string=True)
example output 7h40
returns 9h19
